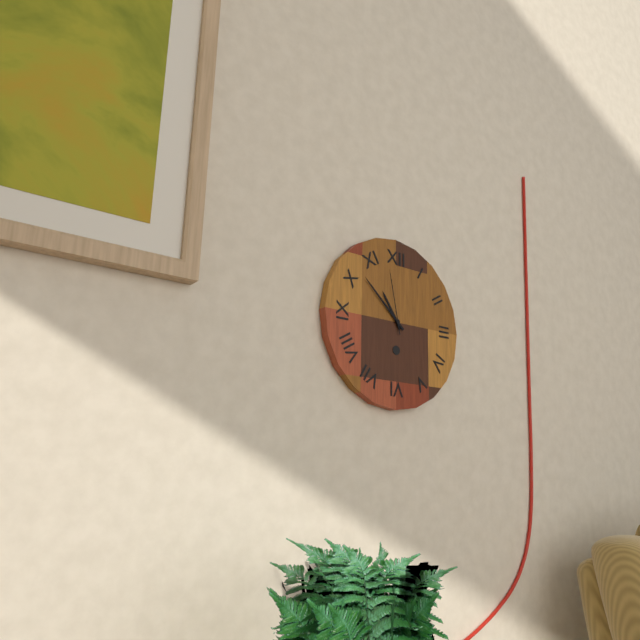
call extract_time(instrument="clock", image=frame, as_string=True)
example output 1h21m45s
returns 10h52m58s
